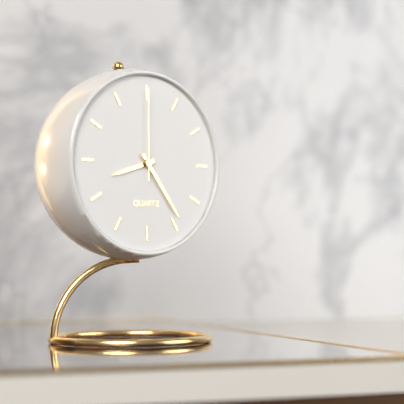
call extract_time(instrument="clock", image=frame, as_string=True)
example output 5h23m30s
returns 8h24m00s
